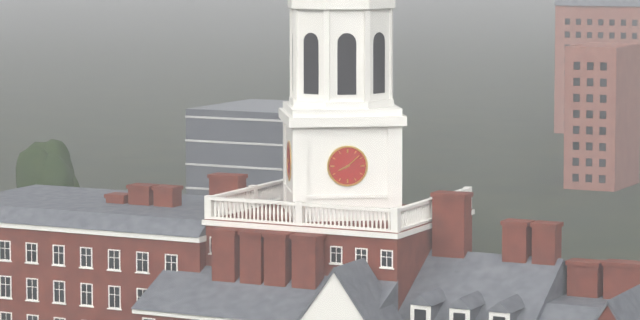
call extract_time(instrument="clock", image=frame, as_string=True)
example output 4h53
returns 8h08
